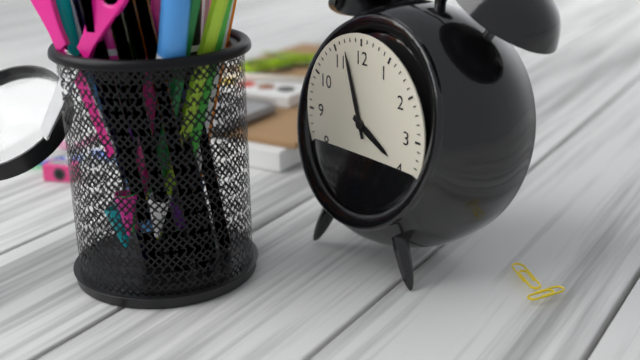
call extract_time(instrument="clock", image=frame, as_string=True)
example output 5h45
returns 3h57
